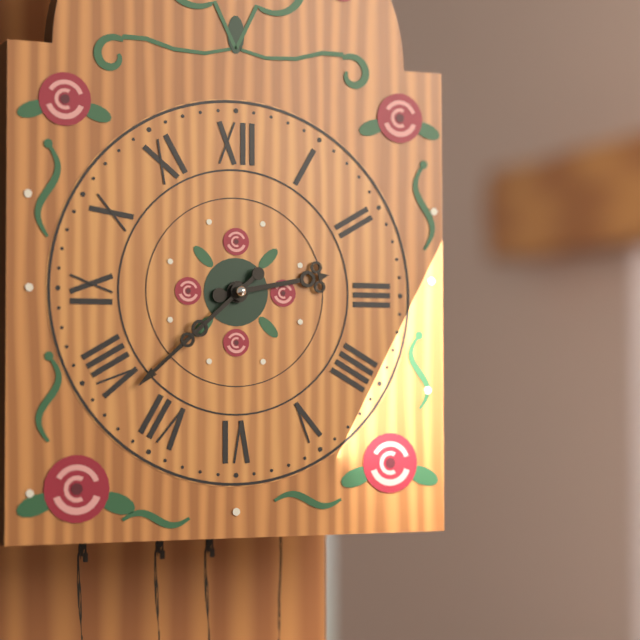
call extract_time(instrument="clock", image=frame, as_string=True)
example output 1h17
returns 2h38
